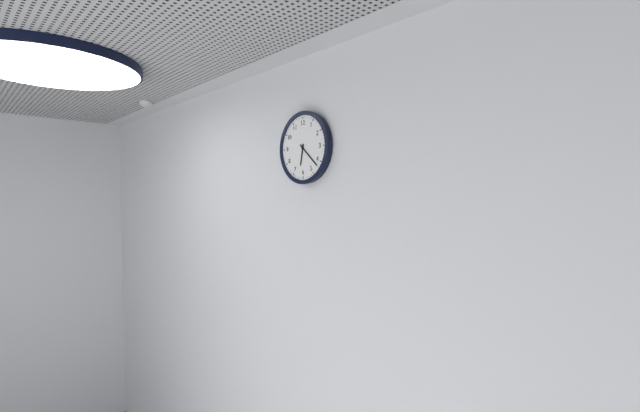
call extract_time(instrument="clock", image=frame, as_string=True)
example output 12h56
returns 6h22
